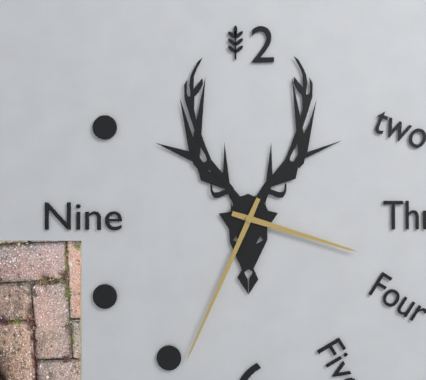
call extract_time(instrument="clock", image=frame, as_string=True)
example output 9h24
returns 3h34
